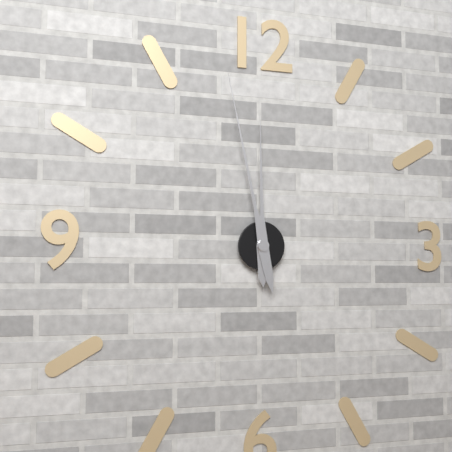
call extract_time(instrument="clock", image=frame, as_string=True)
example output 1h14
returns 11h58
